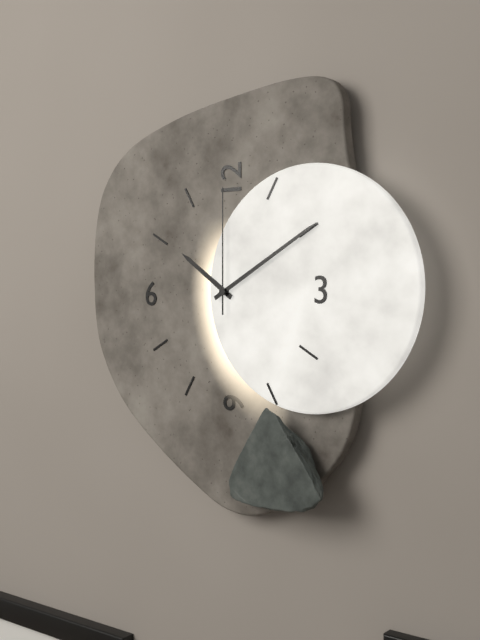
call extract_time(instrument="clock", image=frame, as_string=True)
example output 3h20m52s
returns 10h10m00s
